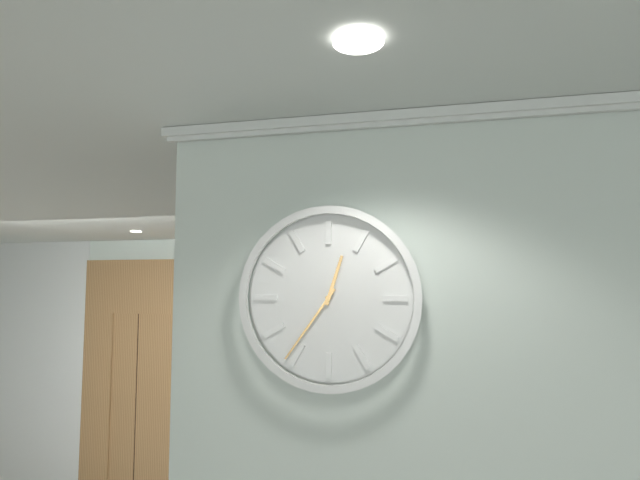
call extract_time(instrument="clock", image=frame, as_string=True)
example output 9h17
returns 12h36
